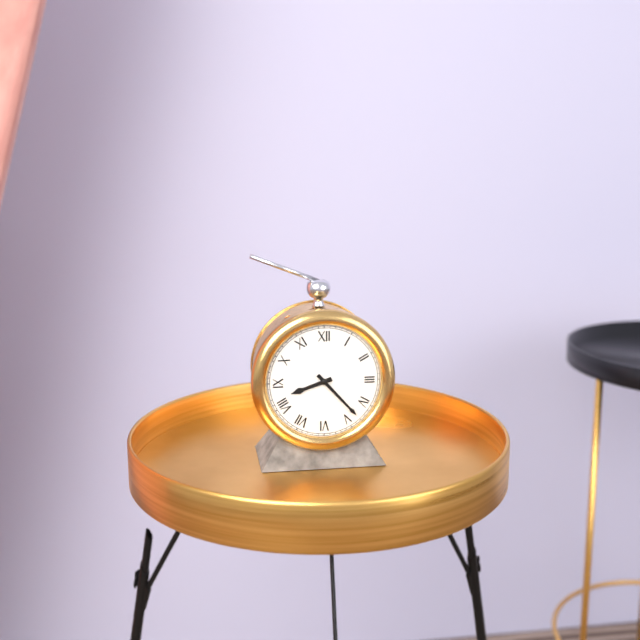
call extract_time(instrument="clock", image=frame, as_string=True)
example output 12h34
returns 8h23
